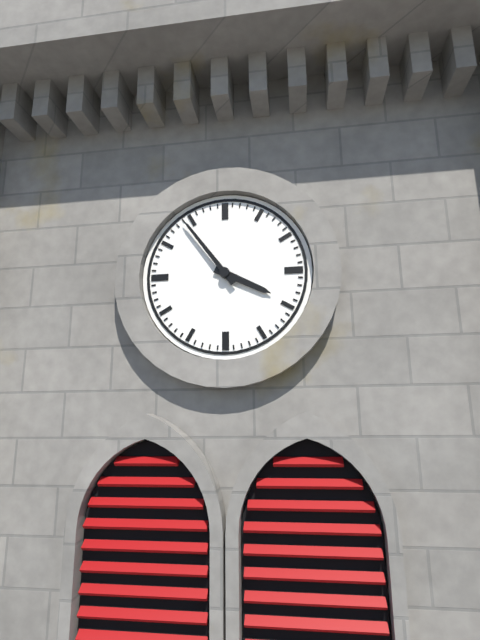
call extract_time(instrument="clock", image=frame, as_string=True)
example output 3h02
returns 3h54
